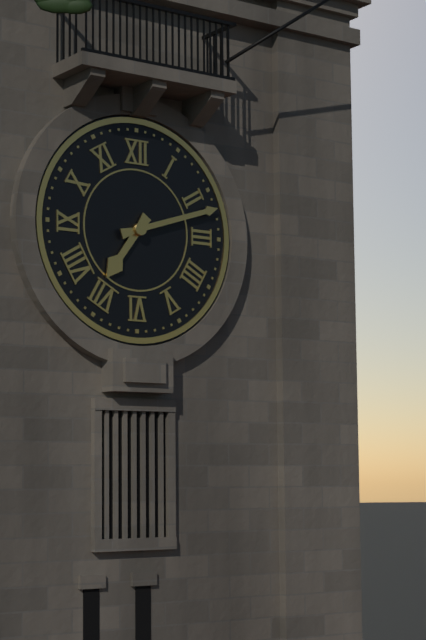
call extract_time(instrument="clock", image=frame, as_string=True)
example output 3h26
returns 7h12
